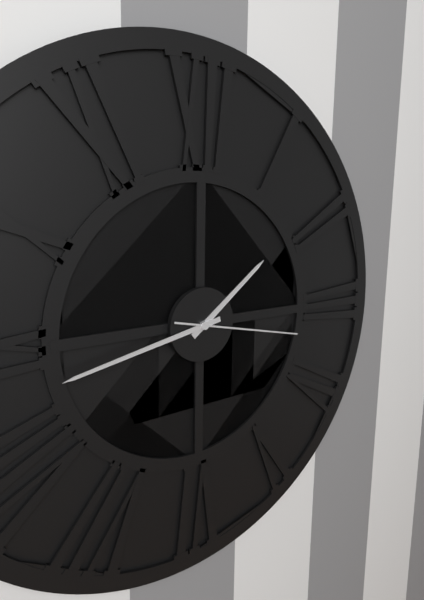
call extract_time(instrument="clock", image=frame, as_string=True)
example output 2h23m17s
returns 1h43m17s
